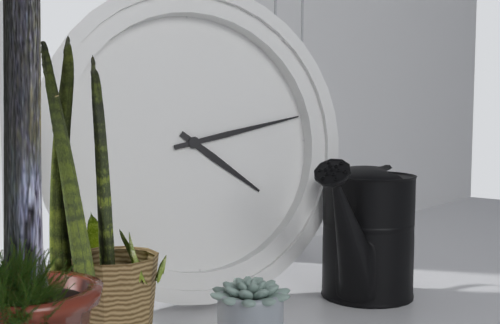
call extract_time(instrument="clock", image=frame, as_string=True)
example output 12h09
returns 4h13
